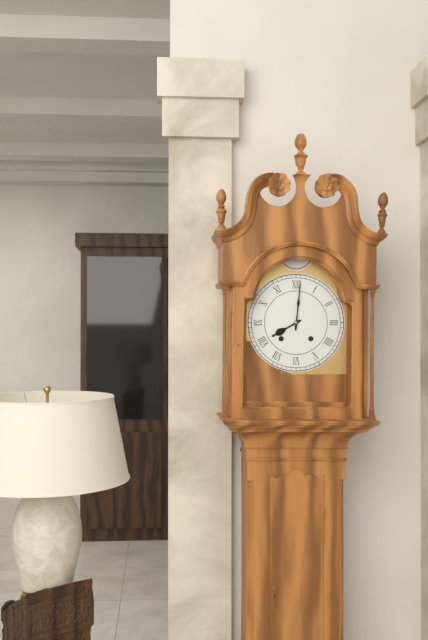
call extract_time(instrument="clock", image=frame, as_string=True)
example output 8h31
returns 8h01
